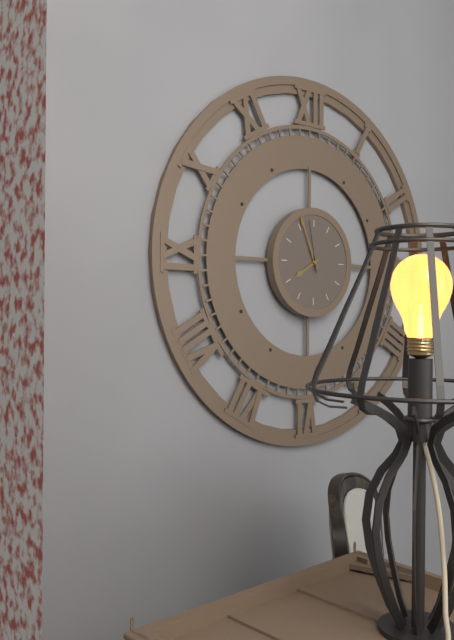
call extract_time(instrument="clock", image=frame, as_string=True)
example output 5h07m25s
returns 7h56m58s
